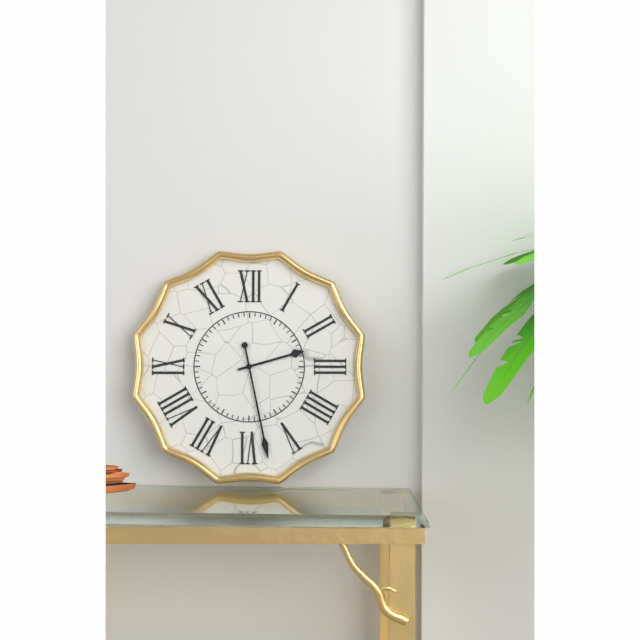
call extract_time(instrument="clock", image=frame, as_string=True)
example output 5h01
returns 2h28
